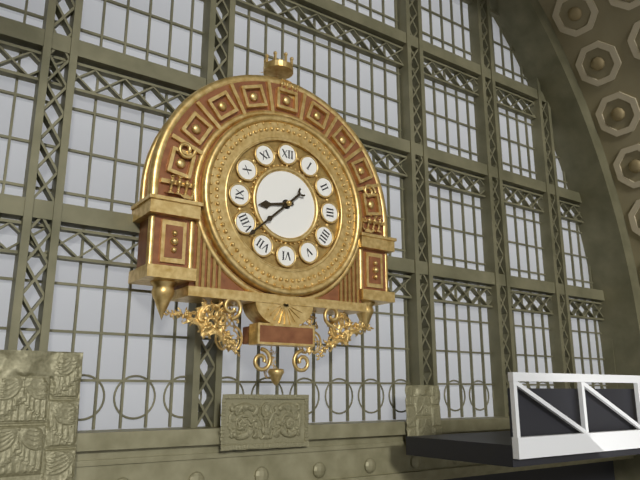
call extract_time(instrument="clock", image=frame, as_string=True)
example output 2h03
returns 8h38
